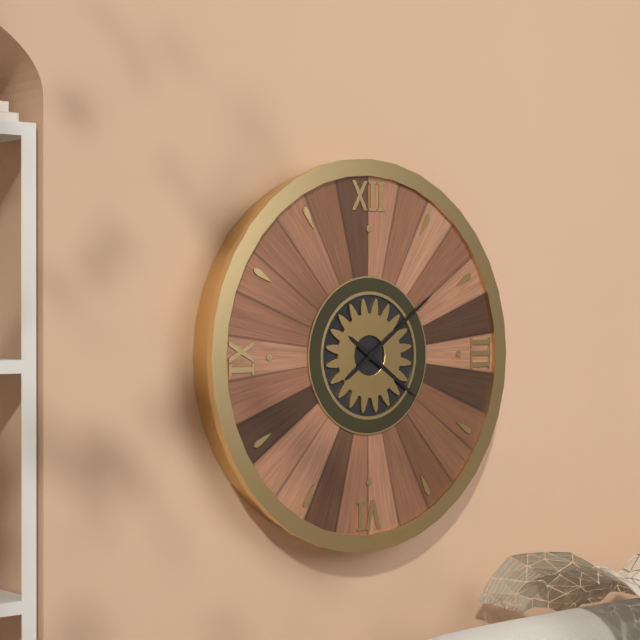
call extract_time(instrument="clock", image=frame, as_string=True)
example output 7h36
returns 4h09
